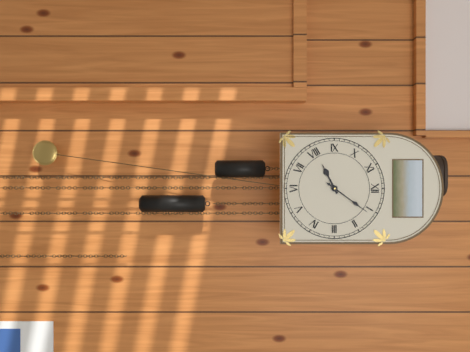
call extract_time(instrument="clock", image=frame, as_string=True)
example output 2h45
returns 8h06
